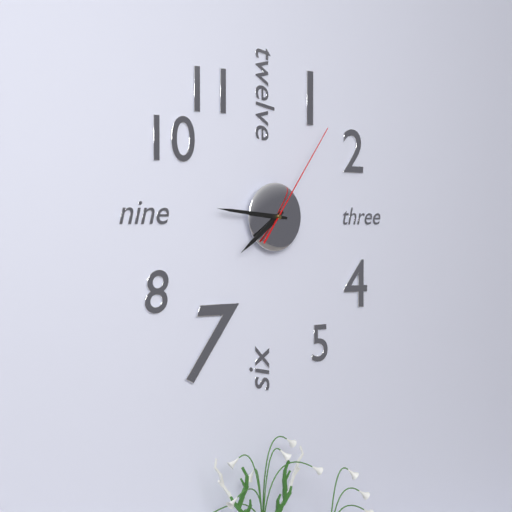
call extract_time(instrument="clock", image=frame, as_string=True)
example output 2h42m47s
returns 7h46m06s
